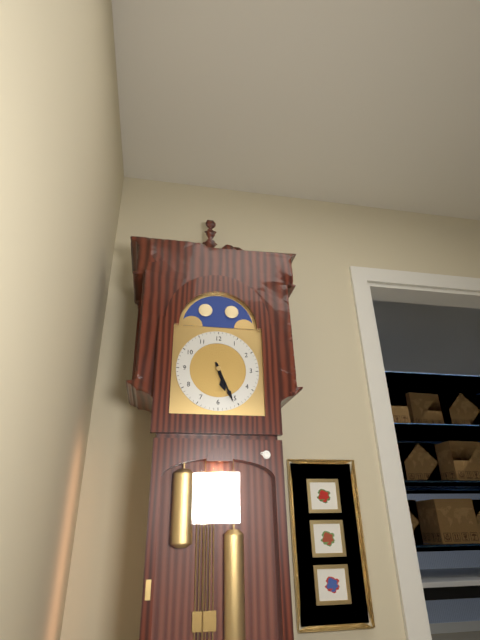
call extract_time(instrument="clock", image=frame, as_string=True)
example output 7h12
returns 5h26
